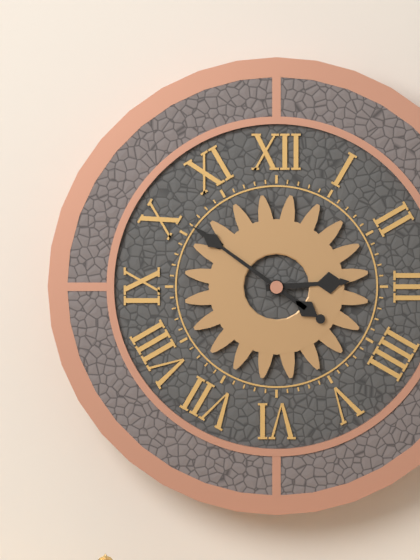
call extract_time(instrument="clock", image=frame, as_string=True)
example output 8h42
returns 2h51
